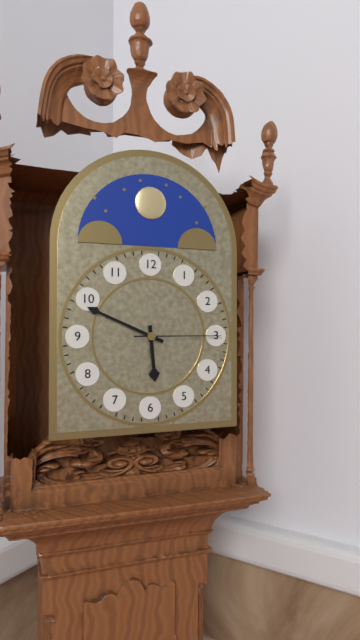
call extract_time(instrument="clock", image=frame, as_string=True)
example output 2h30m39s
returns 5h49m15s
